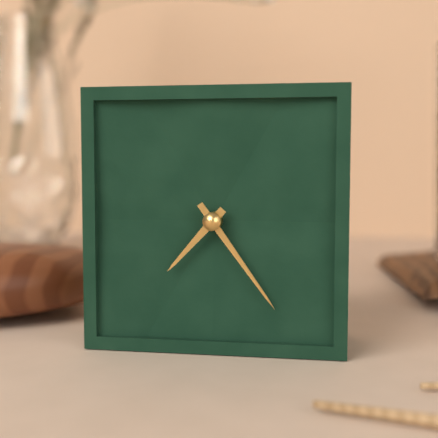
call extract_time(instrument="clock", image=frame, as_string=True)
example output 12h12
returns 7h24
